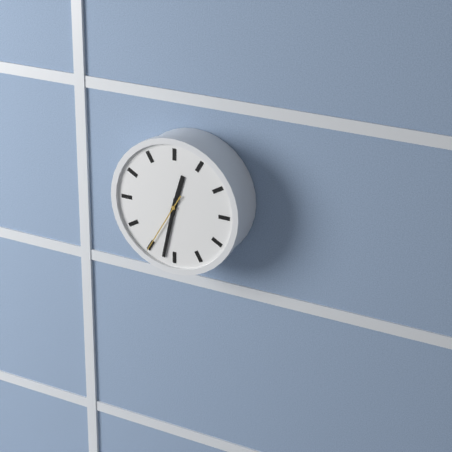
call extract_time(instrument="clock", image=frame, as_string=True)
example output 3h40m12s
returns 12h32m35s
